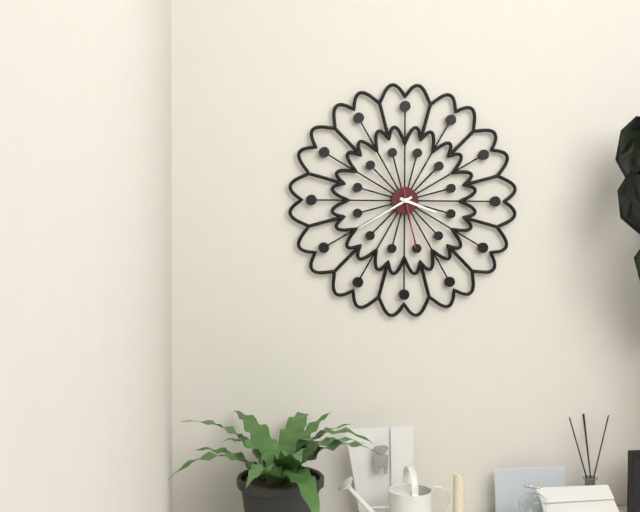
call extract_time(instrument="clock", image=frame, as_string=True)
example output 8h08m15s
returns 3h40m28s
